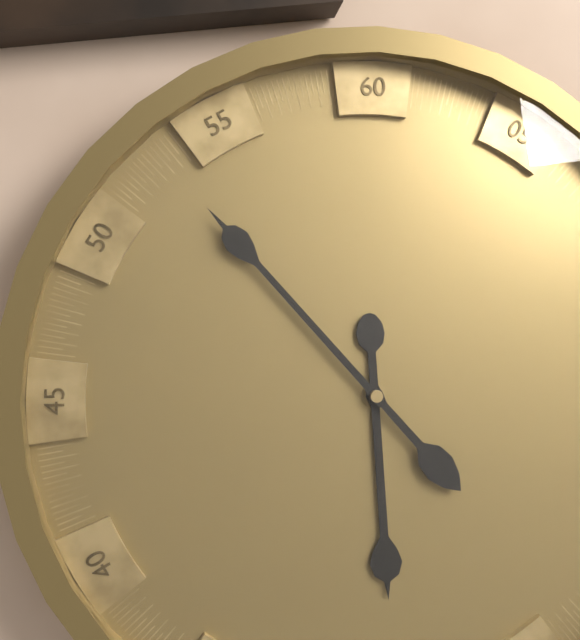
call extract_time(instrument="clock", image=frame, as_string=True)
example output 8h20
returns 5h53
